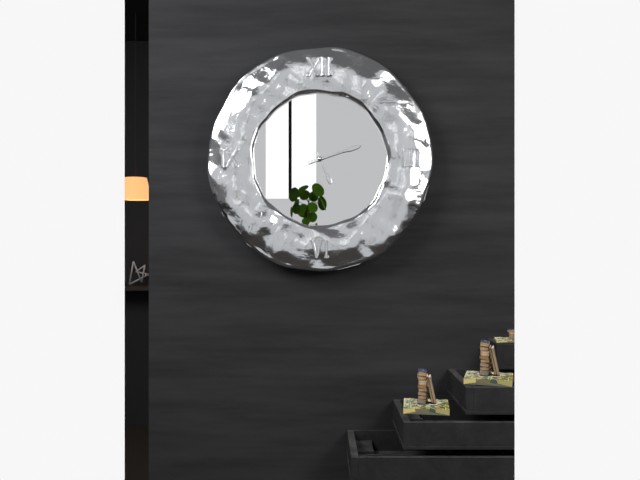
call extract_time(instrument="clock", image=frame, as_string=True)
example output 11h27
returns 5h12
